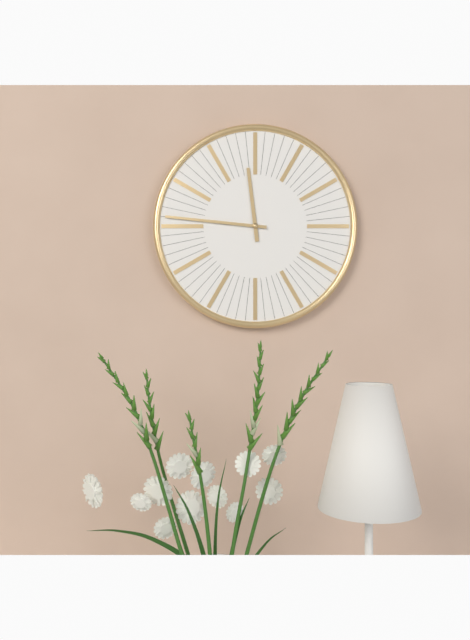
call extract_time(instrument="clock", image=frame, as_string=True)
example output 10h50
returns 11h46
